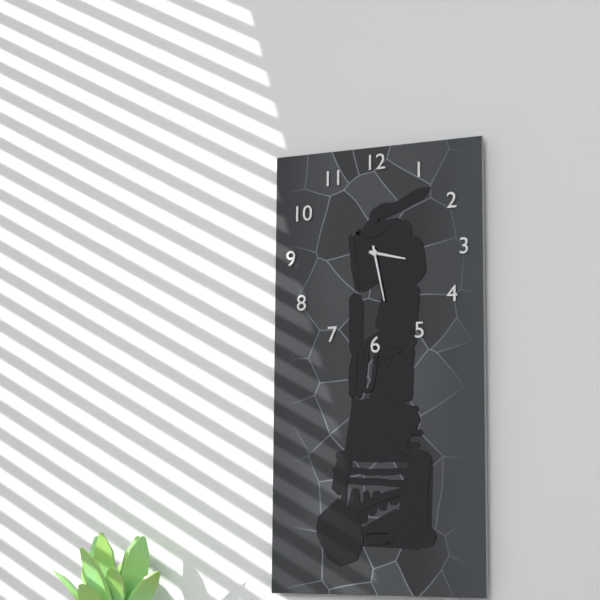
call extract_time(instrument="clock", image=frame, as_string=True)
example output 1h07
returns 3h28
